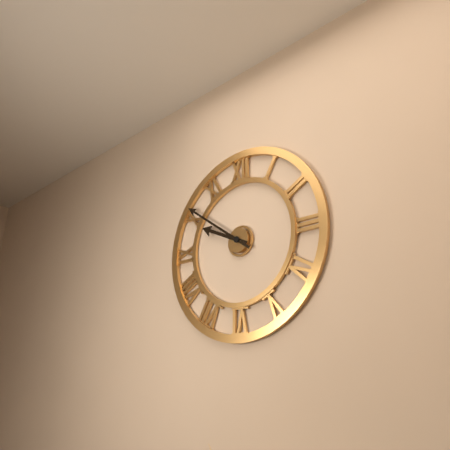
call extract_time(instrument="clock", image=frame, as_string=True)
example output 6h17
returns 9h51
